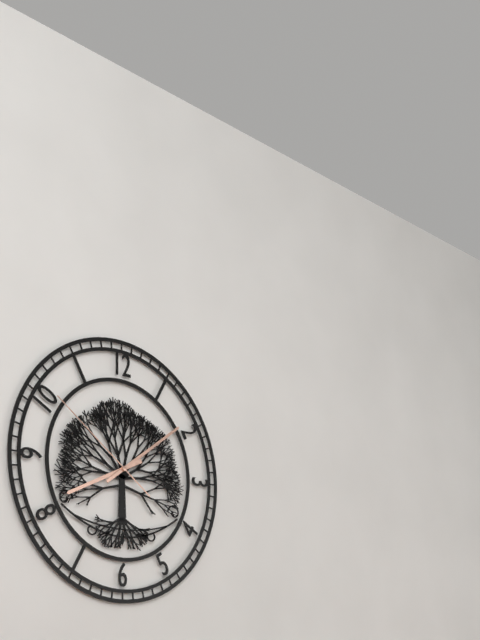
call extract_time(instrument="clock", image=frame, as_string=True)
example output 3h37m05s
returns 8h09m51s
